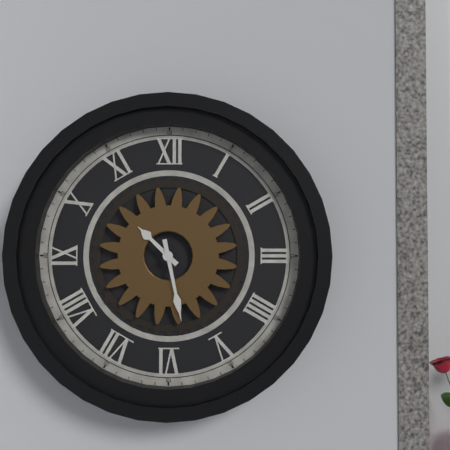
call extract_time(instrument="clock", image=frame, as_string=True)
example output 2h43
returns 10h28
